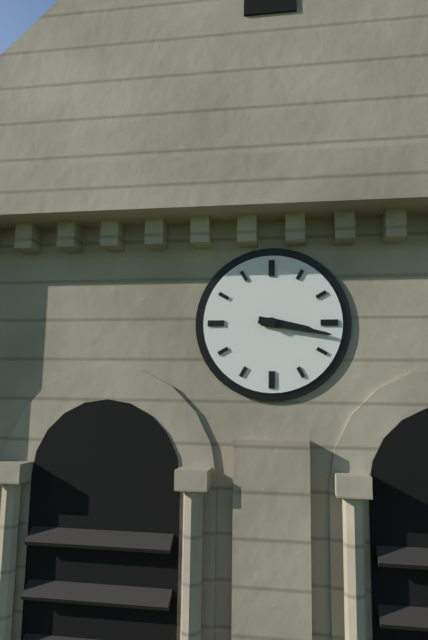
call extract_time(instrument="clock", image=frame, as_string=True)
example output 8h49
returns 3h17
